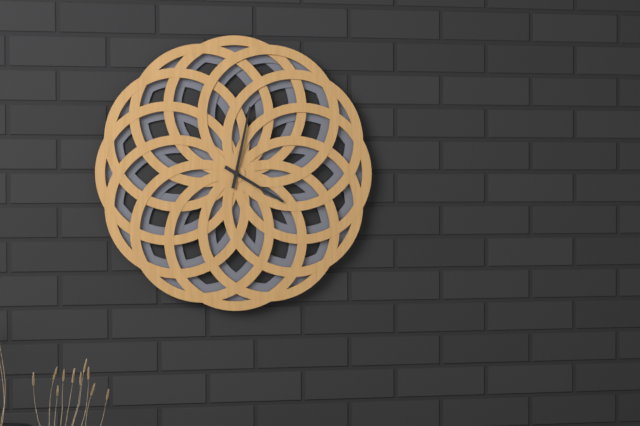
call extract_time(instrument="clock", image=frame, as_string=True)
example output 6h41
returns 4h02
